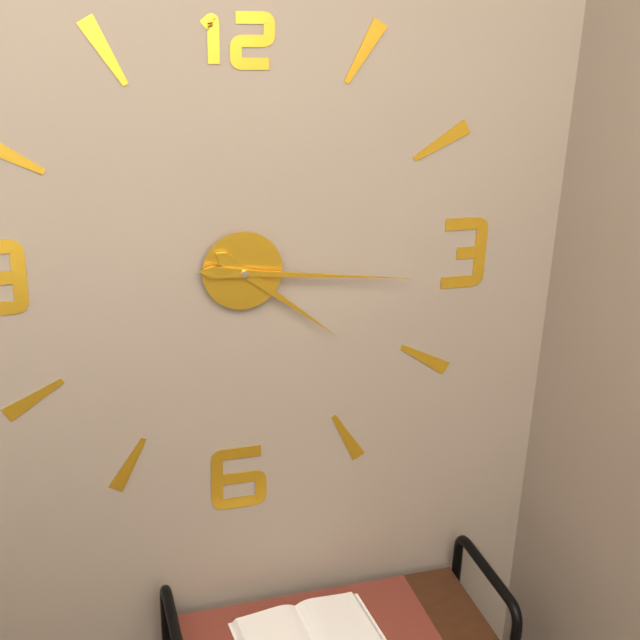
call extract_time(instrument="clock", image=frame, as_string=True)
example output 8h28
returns 4h16
